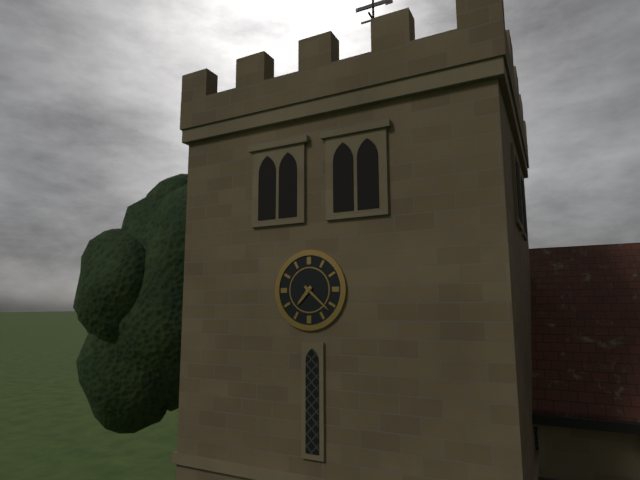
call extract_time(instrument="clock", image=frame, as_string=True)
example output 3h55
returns 7h22
